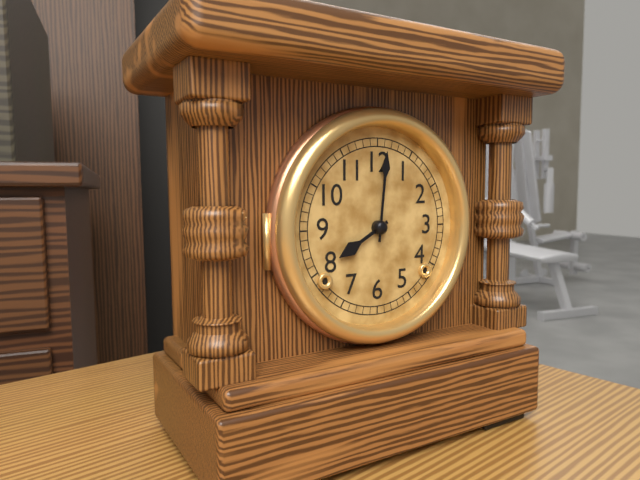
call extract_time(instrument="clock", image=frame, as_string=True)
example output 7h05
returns 8h01
